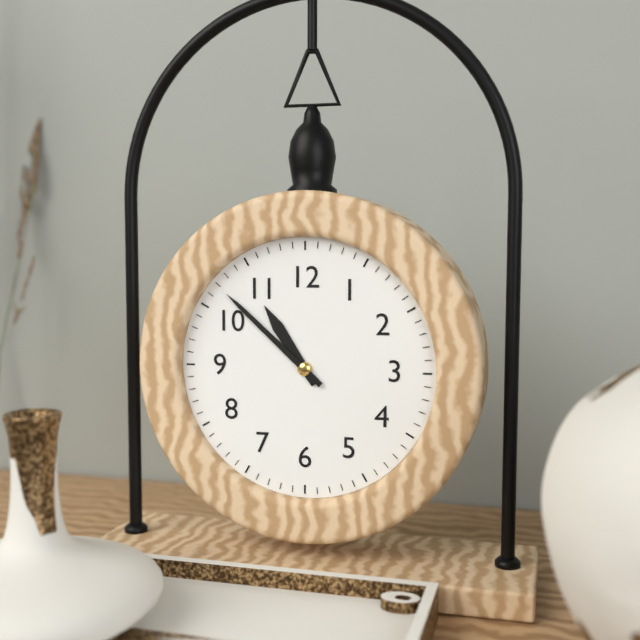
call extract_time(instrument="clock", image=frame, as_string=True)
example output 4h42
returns 10h52
